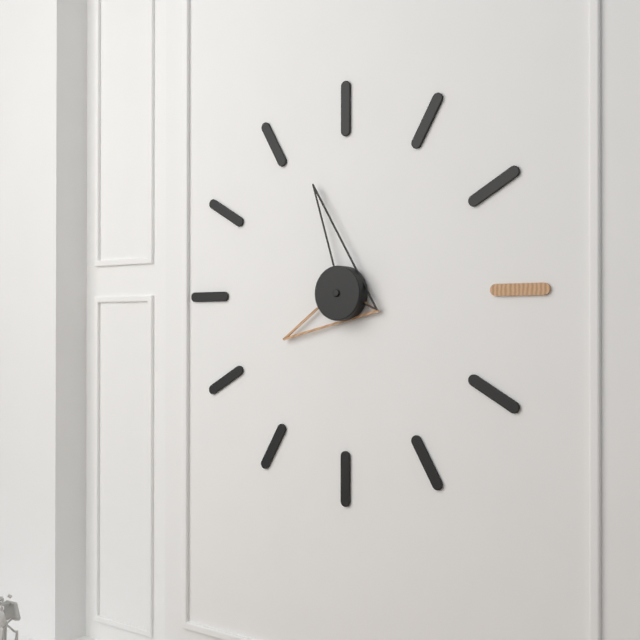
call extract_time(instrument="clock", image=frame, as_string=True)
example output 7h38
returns 7h57
